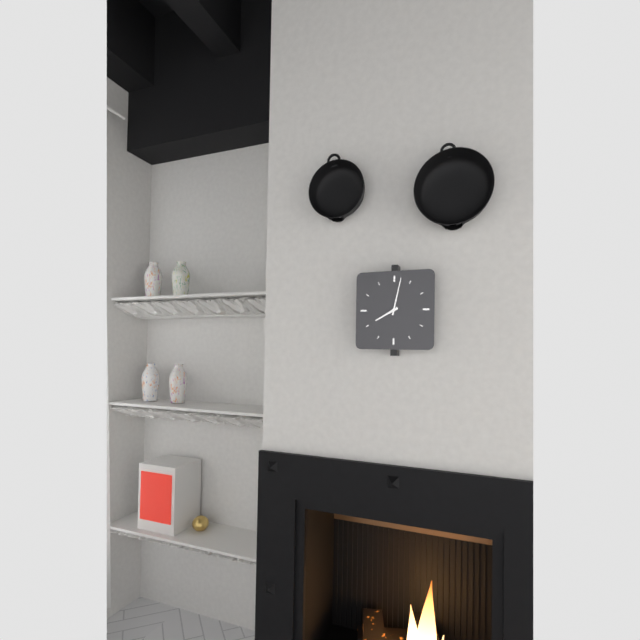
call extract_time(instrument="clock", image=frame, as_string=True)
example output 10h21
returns 8h02
